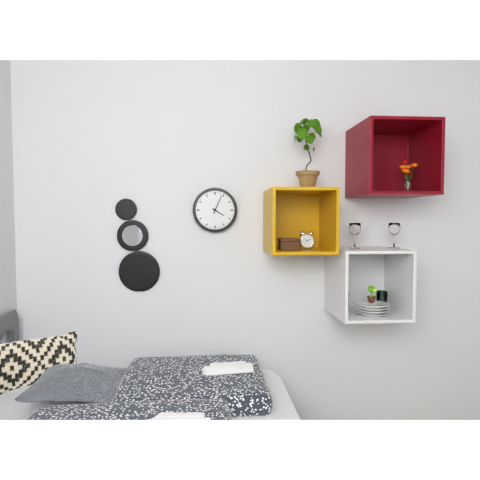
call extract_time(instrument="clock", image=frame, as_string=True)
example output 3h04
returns 4h04
